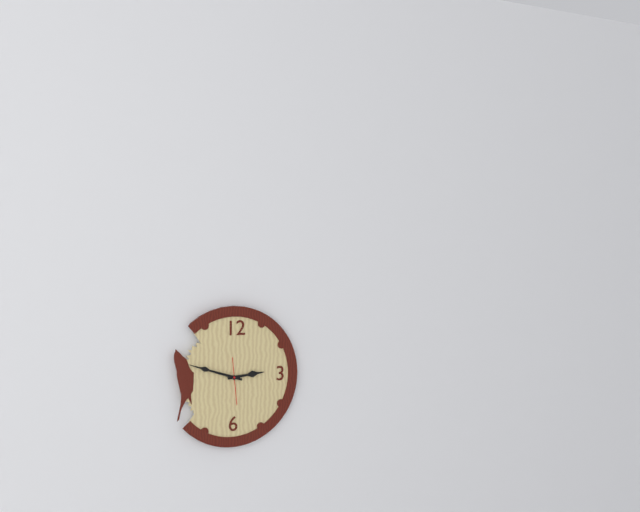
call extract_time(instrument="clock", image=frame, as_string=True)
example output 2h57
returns 2h48
